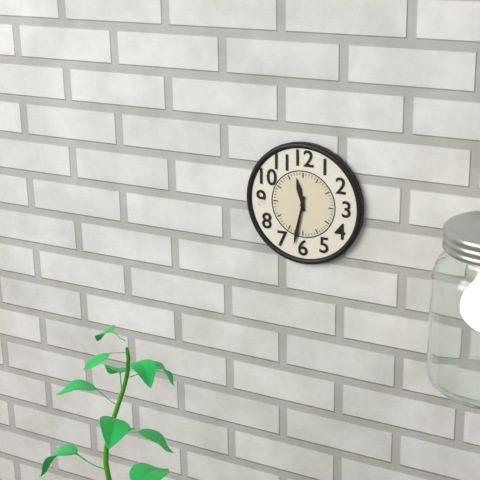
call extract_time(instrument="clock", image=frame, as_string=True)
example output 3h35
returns 11h32
